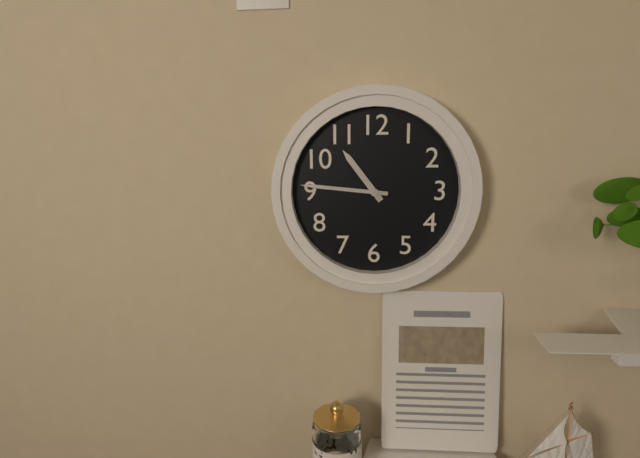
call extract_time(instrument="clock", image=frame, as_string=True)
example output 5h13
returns 10h46
